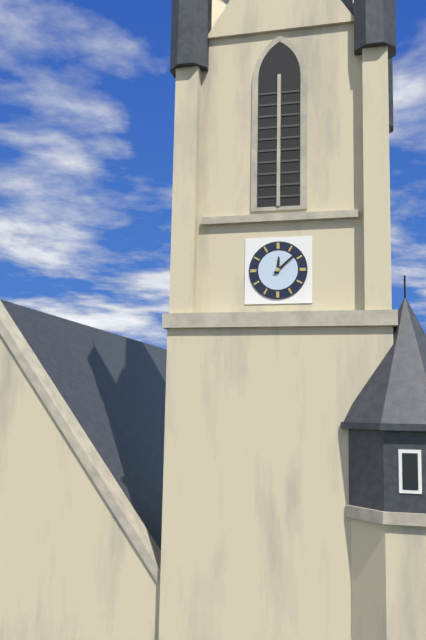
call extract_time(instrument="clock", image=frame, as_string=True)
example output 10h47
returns 12h08
